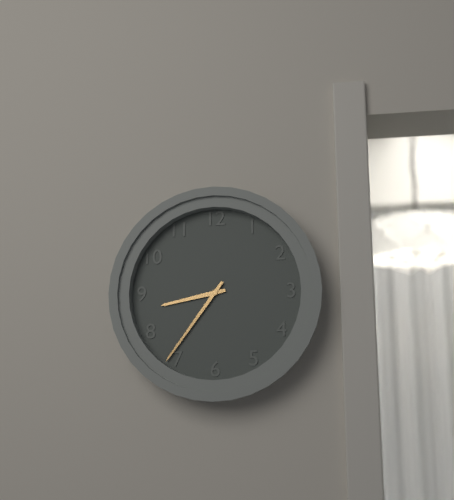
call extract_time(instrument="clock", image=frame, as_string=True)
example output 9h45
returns 8h36
